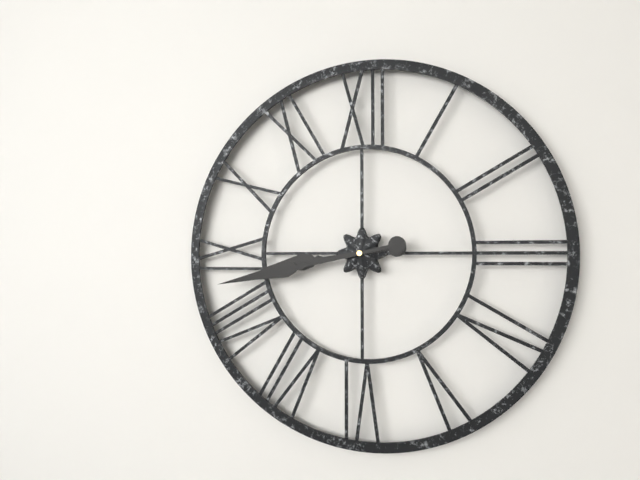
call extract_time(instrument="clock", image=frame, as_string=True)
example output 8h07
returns 8h43
